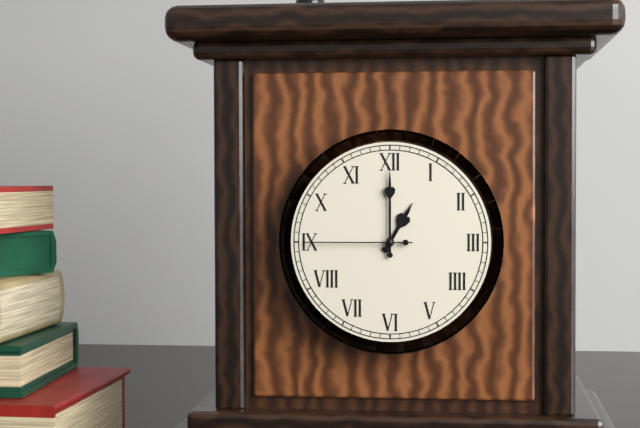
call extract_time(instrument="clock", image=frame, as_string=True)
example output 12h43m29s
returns 1h00m45s
